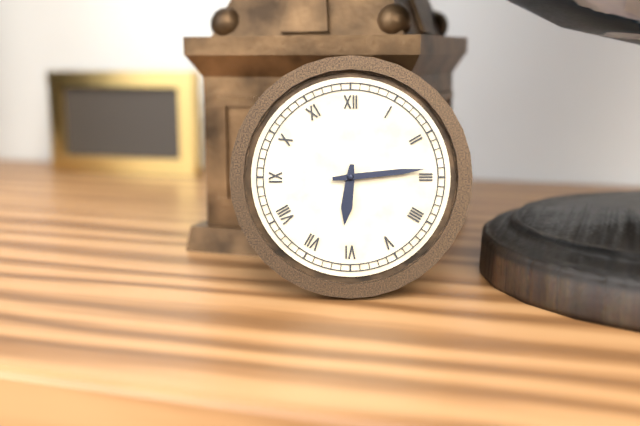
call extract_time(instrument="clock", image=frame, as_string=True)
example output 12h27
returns 6h14
